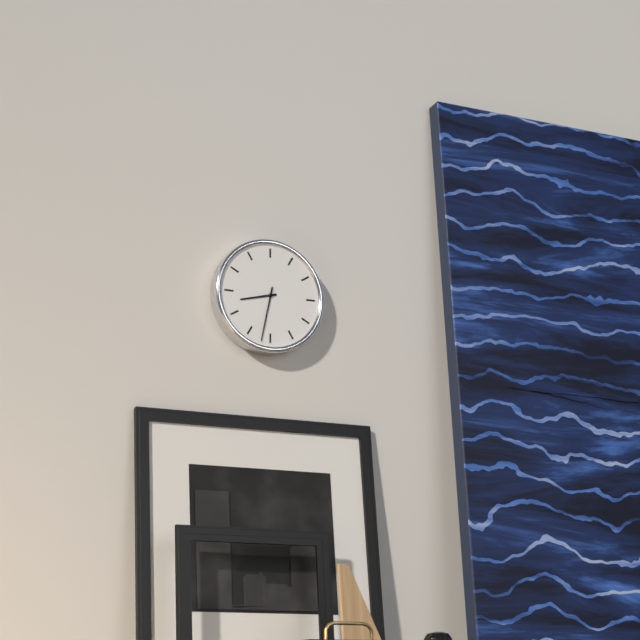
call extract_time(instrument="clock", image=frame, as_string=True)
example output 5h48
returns 8h32
